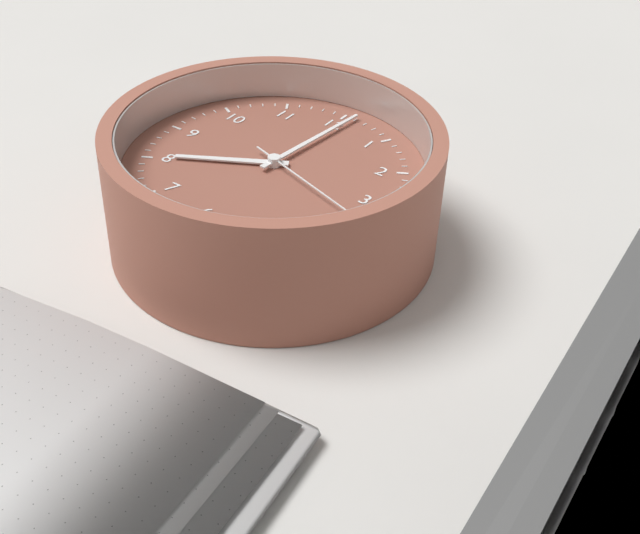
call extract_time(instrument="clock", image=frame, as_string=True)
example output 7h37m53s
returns 8h01m18s
